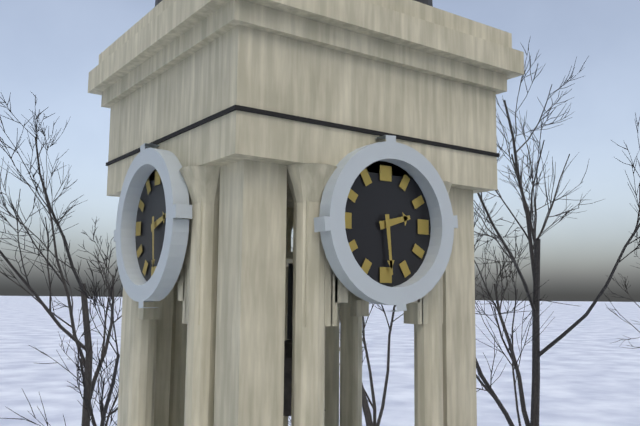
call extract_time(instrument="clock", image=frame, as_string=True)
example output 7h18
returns 2h29
